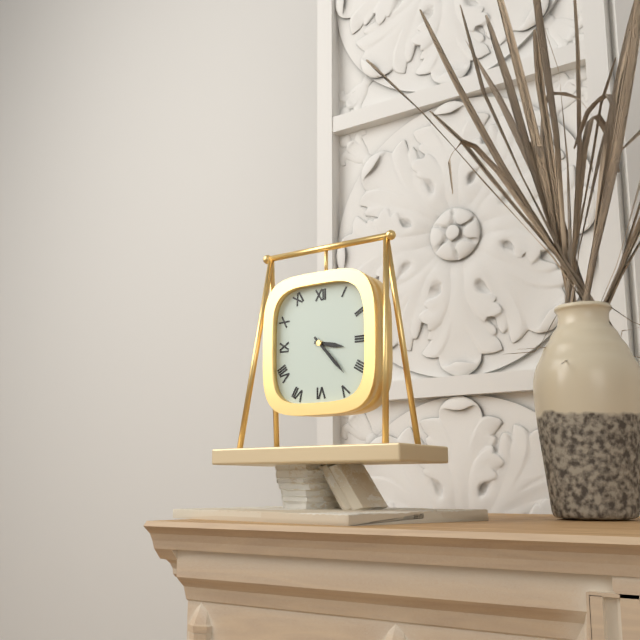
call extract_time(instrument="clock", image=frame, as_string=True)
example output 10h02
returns 3h23
